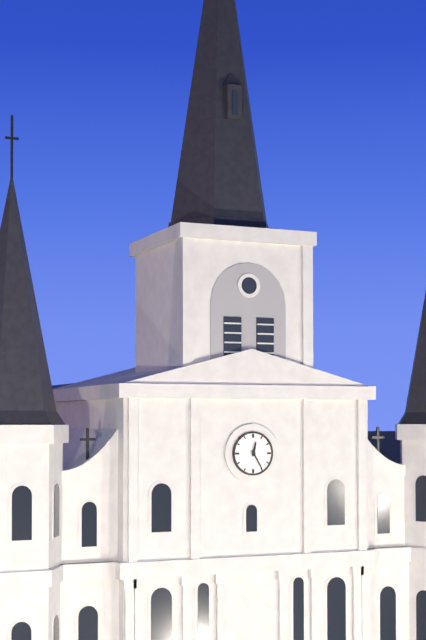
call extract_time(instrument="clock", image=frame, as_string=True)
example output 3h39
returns 12h25
